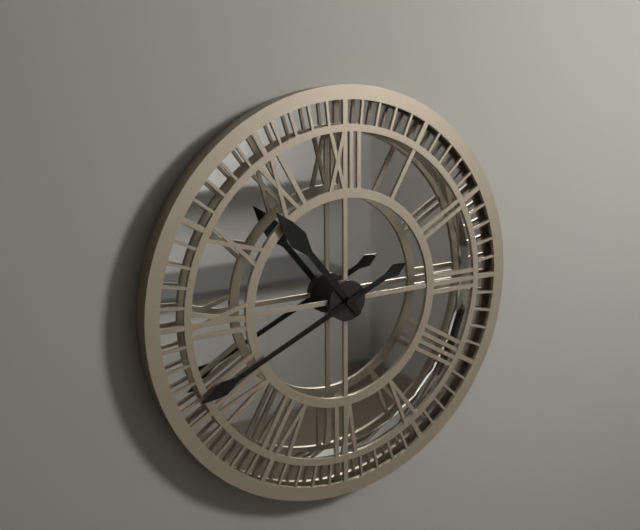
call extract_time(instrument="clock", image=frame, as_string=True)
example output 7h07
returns 10h41
